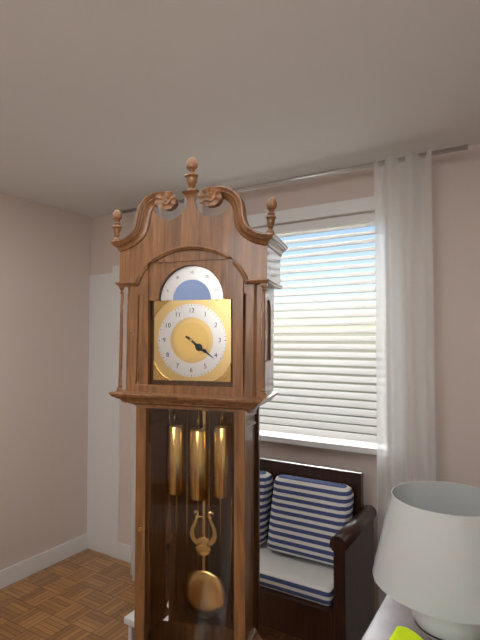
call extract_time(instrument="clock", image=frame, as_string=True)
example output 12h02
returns 4h21
